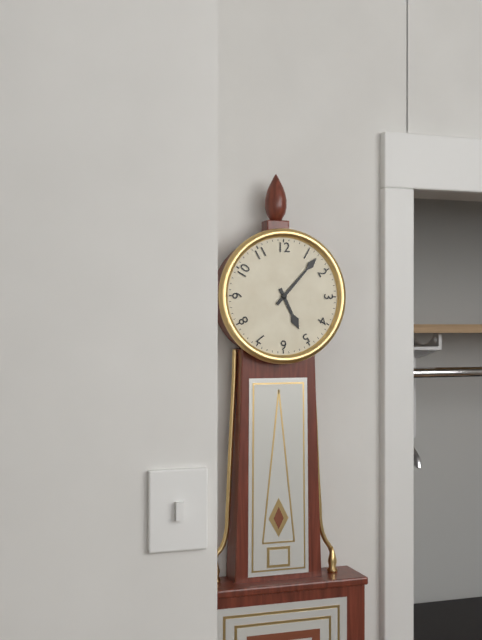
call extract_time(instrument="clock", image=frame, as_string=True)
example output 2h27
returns 5h07
